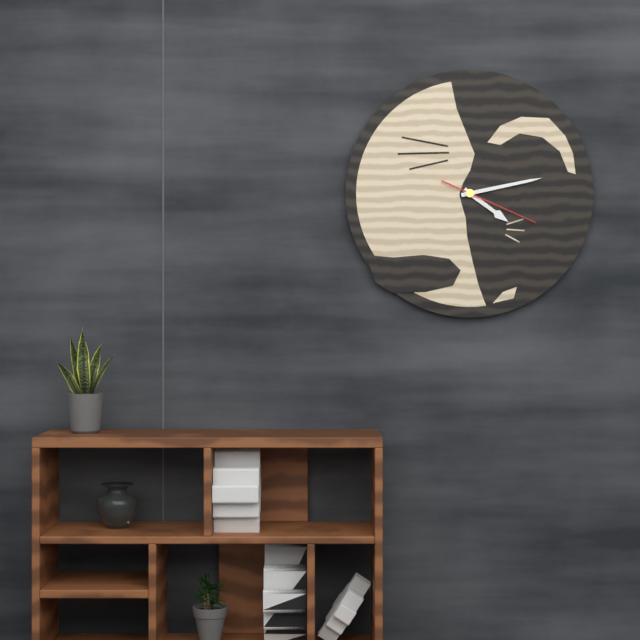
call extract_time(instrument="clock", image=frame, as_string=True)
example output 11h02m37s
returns 4h13m19s
